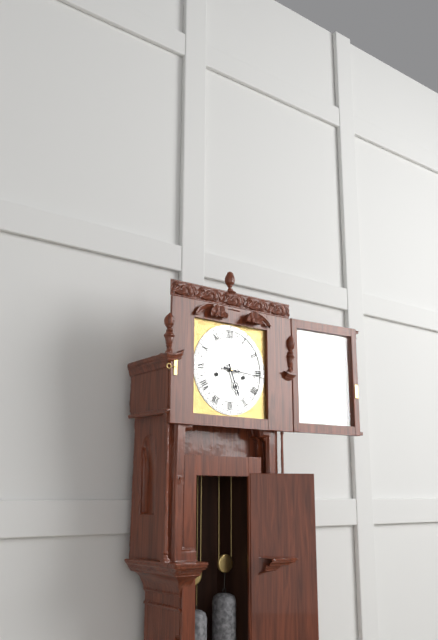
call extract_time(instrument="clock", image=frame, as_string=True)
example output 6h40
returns 5h16
